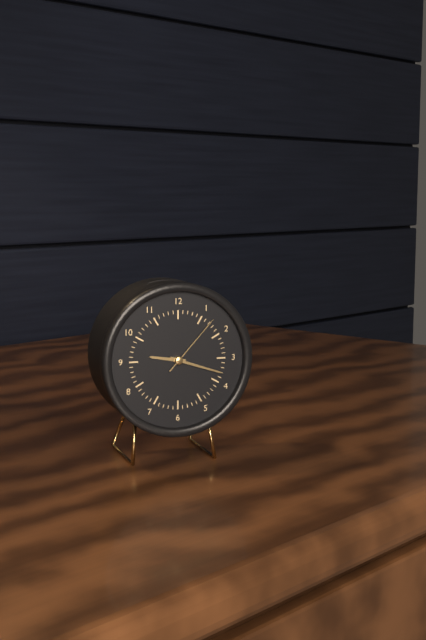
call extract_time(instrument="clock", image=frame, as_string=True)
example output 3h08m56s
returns 9h18m07s
